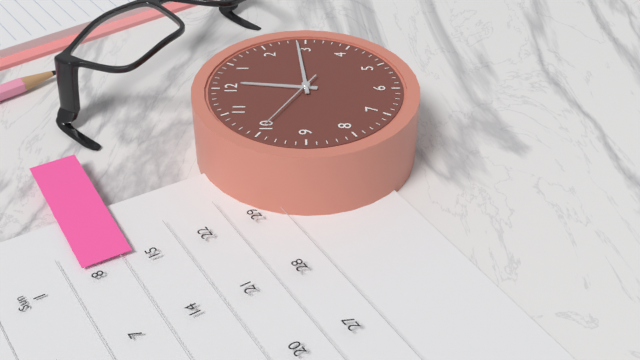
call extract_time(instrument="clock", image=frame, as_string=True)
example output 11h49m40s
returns 12h14m50s
